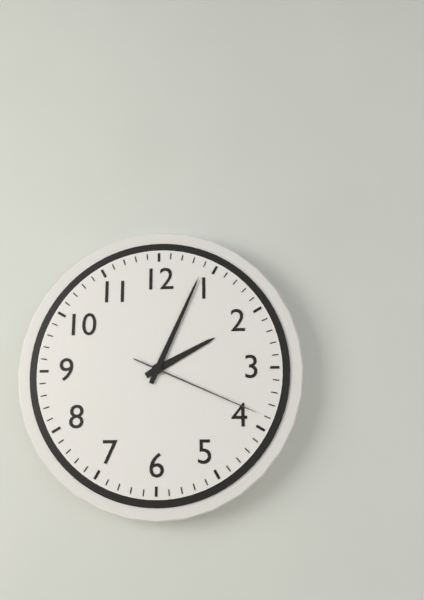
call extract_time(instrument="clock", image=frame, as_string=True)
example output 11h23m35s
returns 2h04m19s
